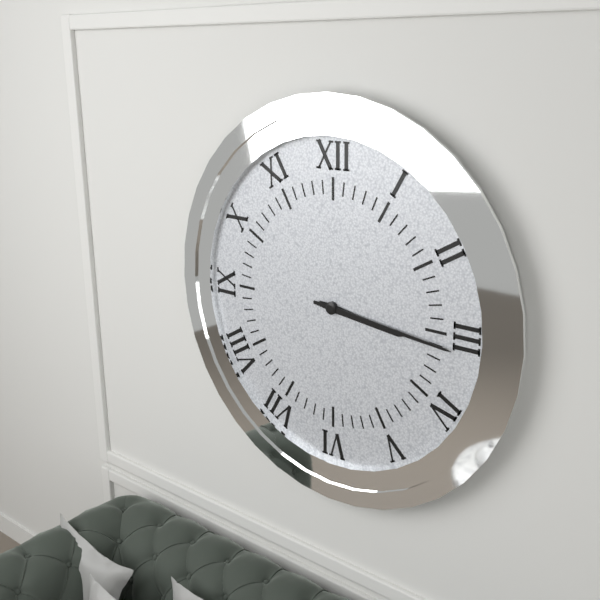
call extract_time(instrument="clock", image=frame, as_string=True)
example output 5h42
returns 3h16
